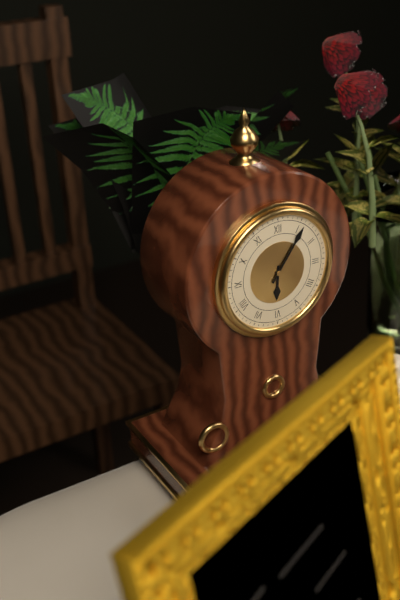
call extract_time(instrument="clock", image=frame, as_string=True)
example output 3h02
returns 6h06
